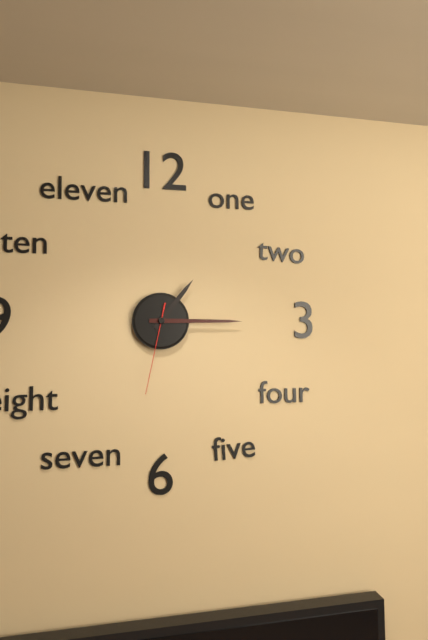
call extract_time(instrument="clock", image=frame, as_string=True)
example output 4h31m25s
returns 1h15m32s
